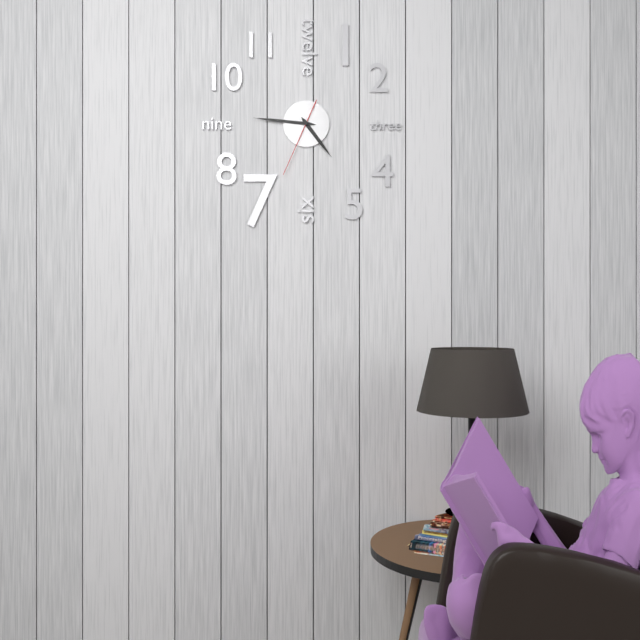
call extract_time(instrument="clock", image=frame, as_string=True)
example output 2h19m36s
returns 4h46m34s
